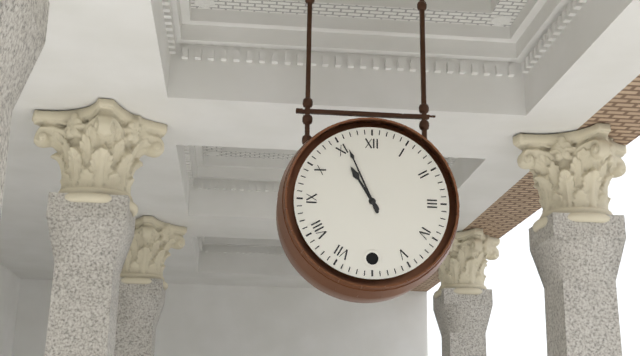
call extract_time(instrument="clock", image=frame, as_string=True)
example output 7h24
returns 10h56
